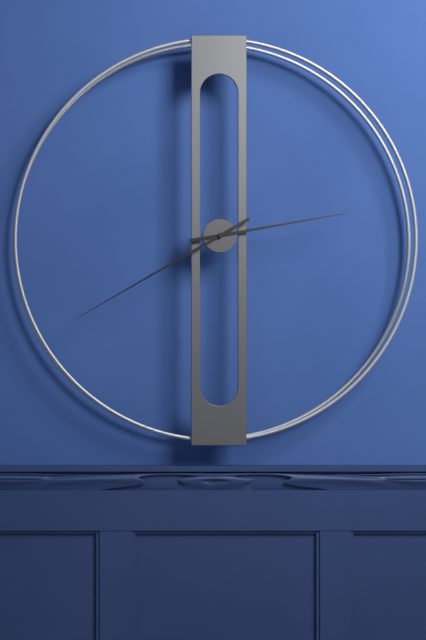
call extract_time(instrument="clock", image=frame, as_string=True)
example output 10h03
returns 2h40
